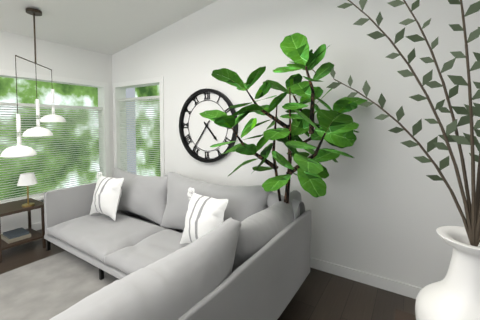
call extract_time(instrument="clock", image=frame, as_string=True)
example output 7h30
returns 4h36
